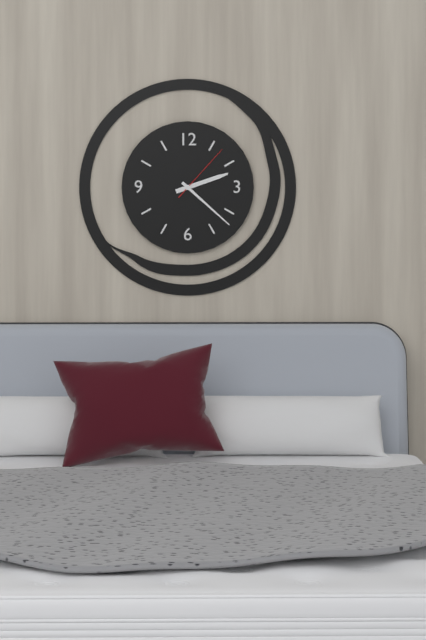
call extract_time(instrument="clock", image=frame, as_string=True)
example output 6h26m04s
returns 2h22m07s
